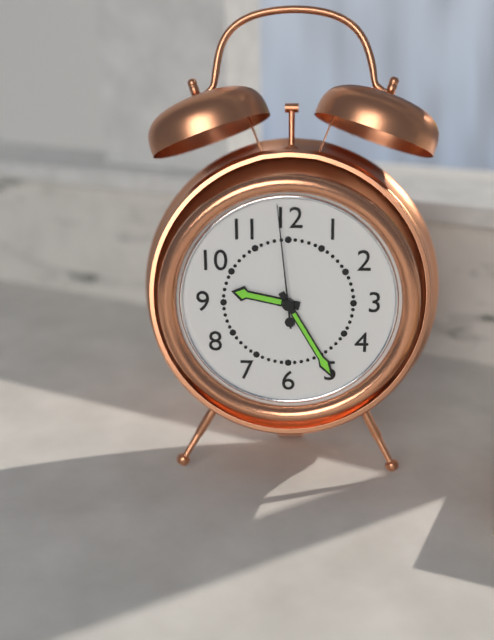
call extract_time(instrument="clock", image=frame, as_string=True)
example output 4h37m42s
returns 9h25m59s
